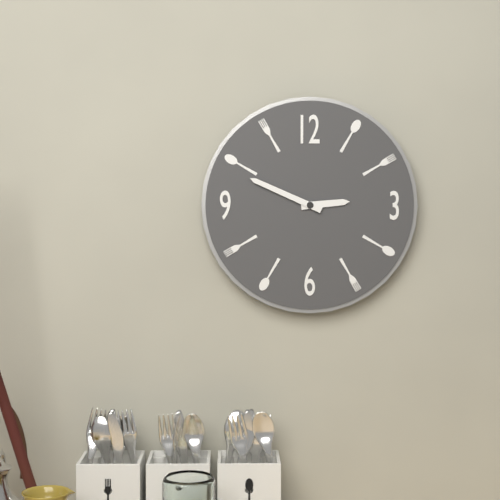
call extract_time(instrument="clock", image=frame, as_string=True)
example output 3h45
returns 2h49
